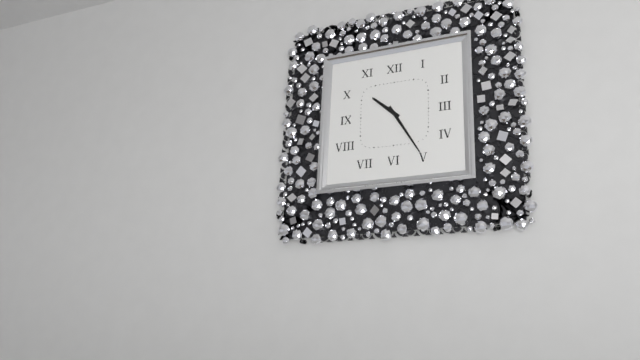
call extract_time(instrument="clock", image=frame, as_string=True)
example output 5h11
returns 10h25
